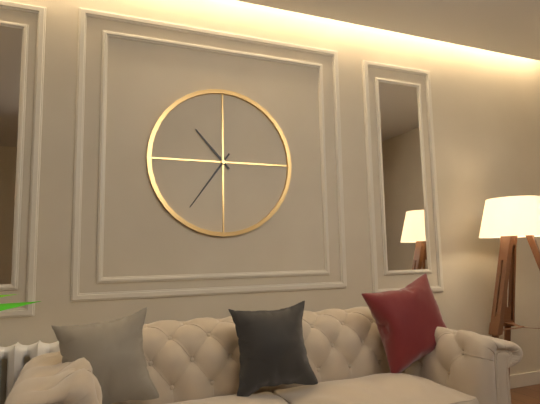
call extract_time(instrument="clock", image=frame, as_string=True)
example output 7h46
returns 10h36
